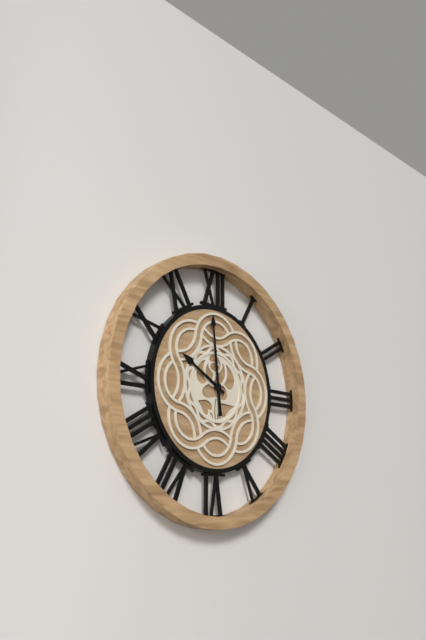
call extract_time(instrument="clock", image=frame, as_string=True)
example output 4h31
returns 9h59
